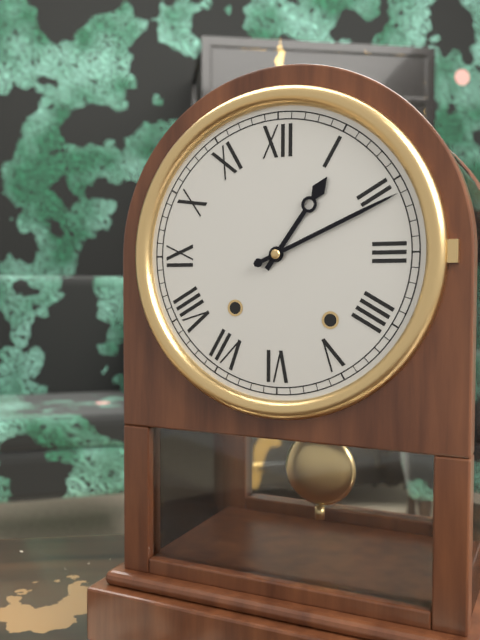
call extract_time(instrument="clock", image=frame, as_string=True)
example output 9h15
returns 1h11
